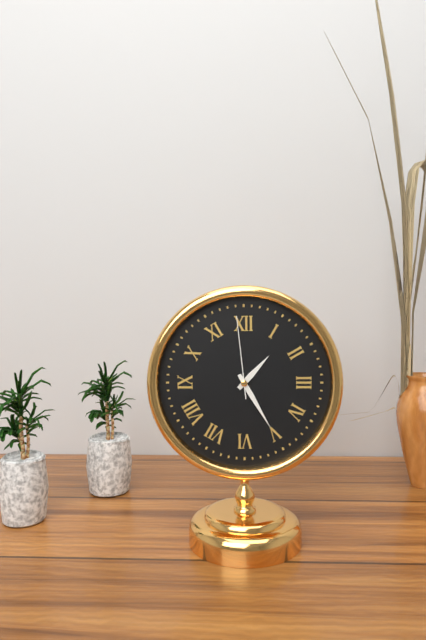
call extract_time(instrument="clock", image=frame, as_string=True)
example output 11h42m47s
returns 1h25m59s
